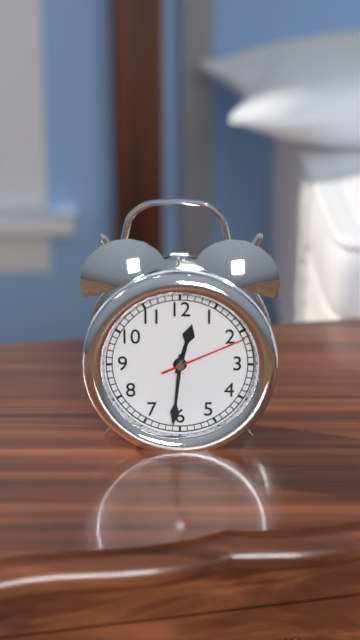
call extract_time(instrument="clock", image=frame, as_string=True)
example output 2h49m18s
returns 12h31m11s
